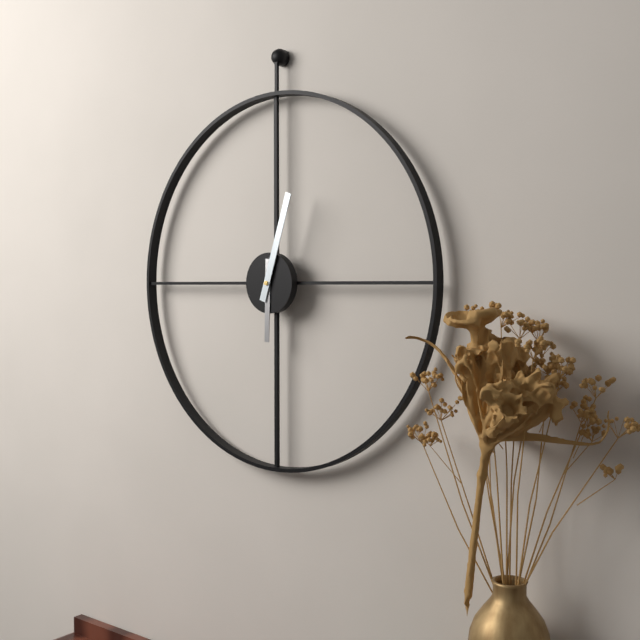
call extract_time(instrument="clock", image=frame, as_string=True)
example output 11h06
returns 6h03
